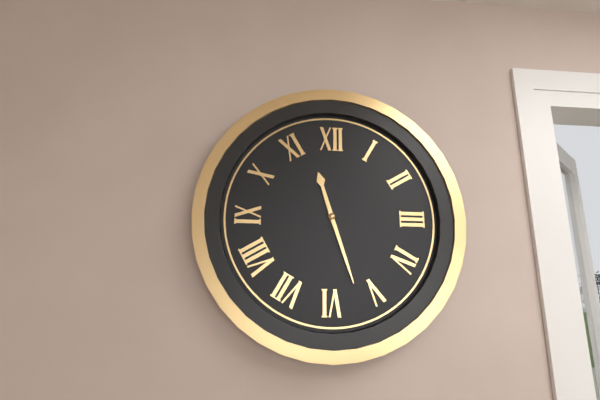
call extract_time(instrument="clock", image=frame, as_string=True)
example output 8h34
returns 11h27
